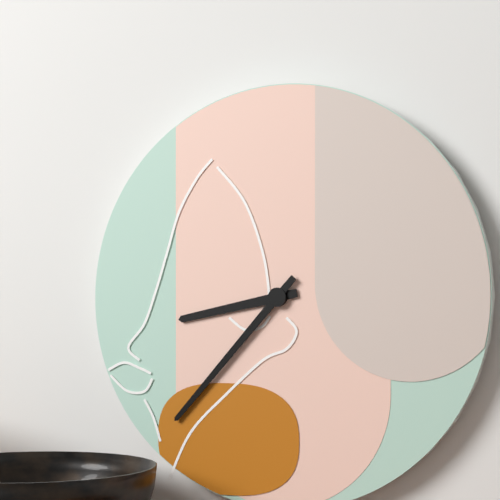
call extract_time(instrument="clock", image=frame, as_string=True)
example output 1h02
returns 8h37
